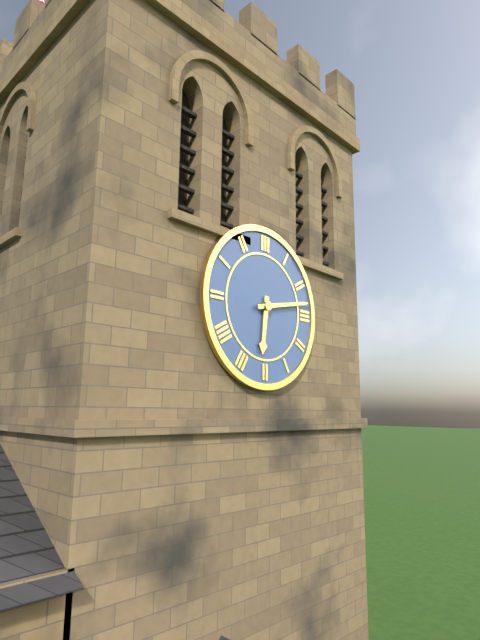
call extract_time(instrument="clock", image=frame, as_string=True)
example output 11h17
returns 6h13
